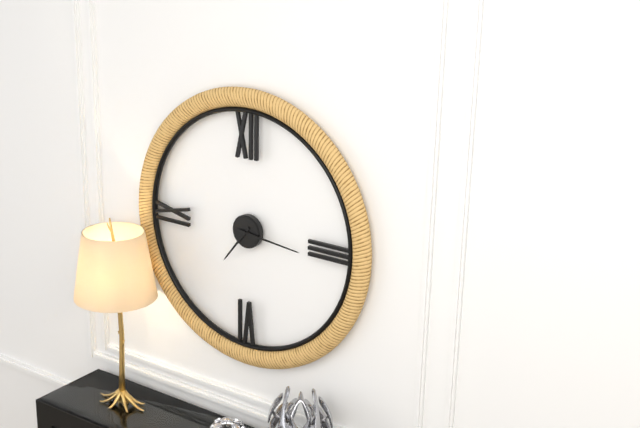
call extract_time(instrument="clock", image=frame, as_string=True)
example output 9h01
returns 7h16
